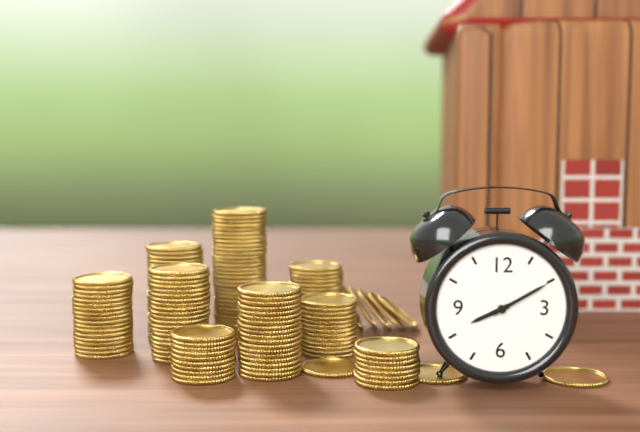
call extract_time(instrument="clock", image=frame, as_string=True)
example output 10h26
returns 8h10
